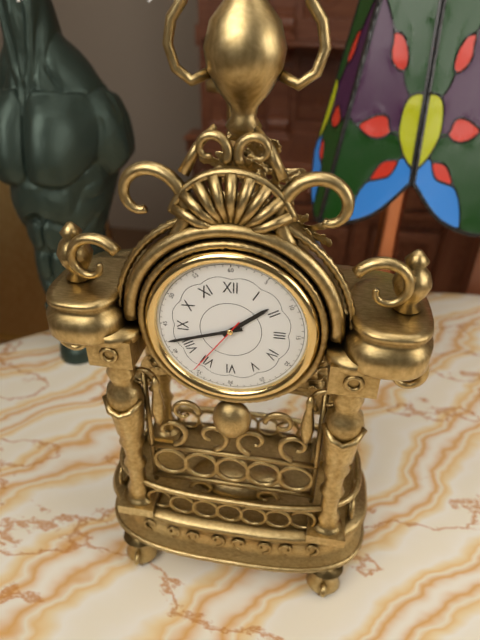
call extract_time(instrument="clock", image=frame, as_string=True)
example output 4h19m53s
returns 1h42m36s
